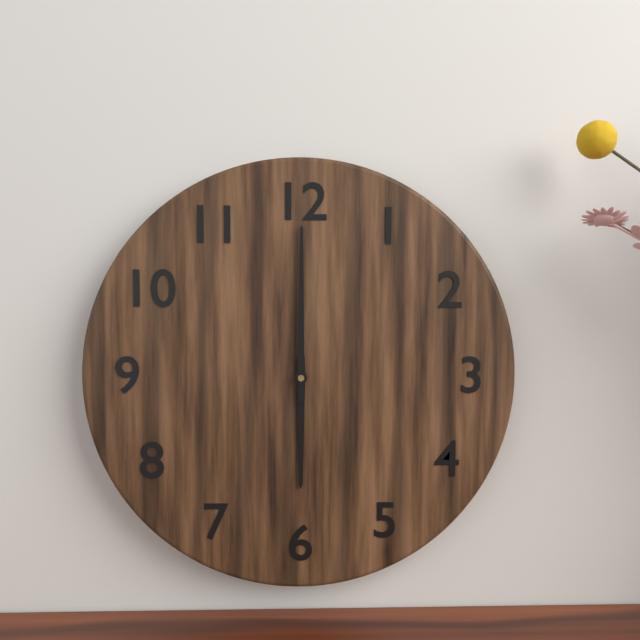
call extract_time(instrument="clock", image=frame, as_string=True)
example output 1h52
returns 6h00
